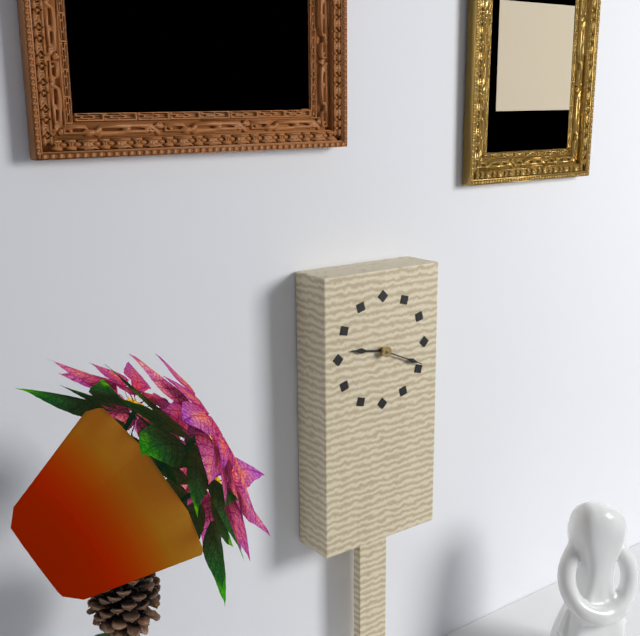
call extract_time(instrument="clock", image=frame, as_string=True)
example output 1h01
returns 9h19
